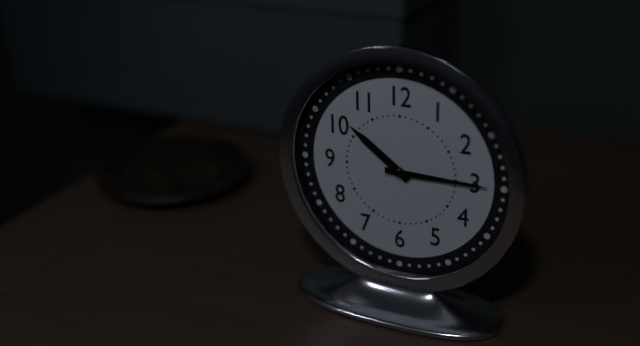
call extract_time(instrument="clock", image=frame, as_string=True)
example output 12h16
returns 10h15
